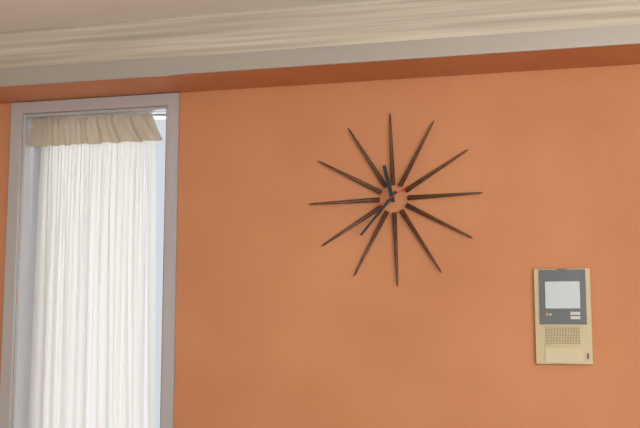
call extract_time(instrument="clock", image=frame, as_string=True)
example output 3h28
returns 11h37
